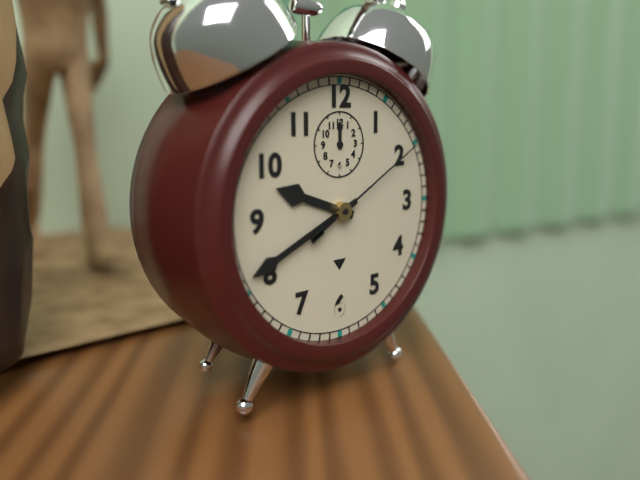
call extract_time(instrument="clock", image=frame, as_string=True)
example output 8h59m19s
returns 9h41m10s
